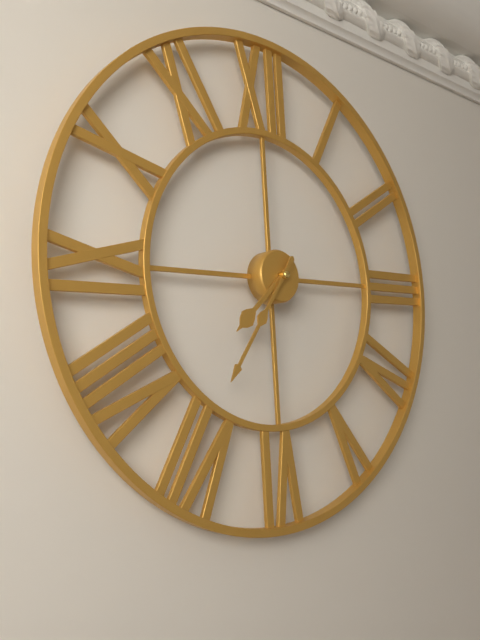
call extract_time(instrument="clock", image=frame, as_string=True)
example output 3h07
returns 7h36
